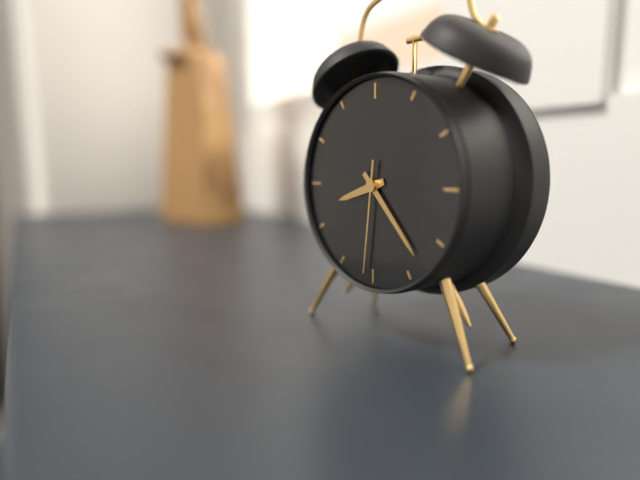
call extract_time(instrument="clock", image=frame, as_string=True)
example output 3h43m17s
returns 8h23m31s
